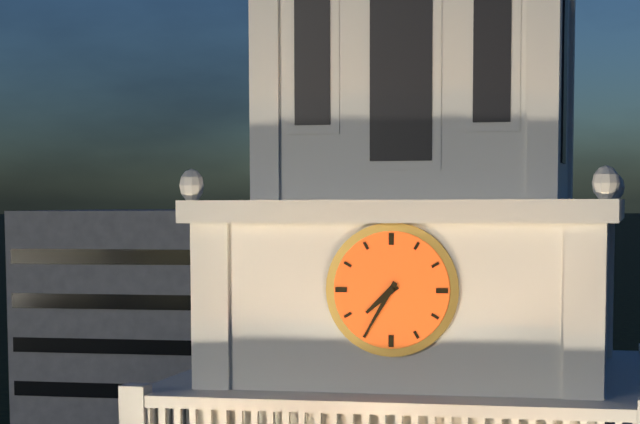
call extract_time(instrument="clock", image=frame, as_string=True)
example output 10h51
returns 7h35
